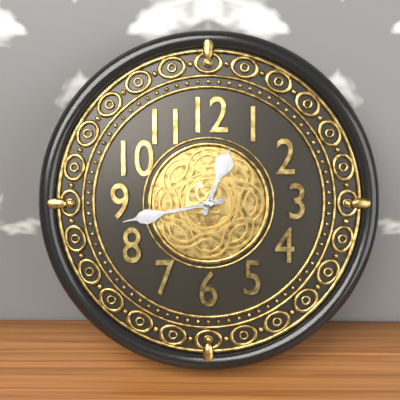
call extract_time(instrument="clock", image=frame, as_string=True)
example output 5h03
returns 12h43
